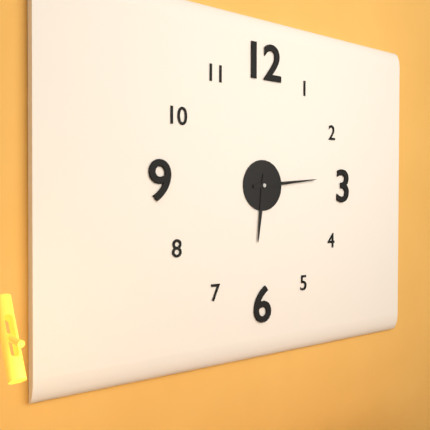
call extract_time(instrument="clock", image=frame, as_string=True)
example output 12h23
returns 6h14
